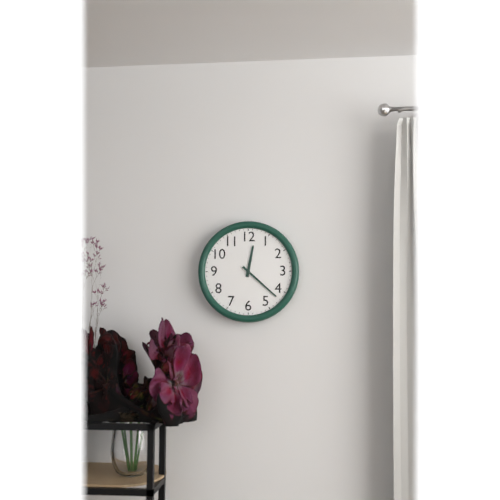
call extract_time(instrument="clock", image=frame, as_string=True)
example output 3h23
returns 12h22
